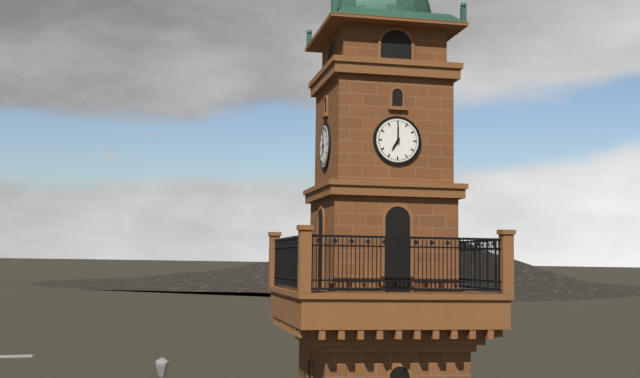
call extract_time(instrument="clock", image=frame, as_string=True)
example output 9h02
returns 7h00
